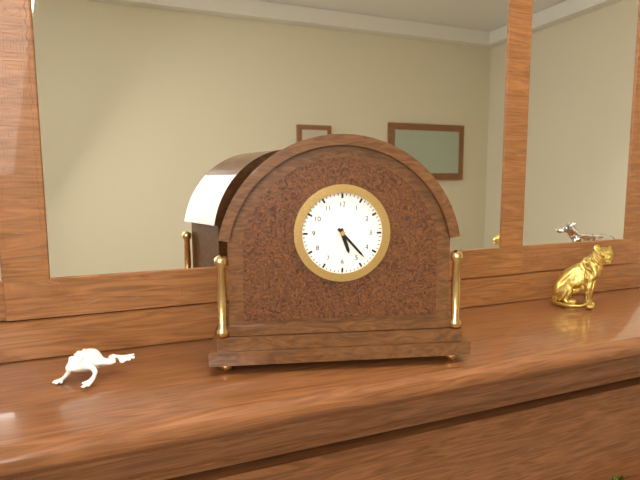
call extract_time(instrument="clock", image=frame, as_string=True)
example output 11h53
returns 5h23
